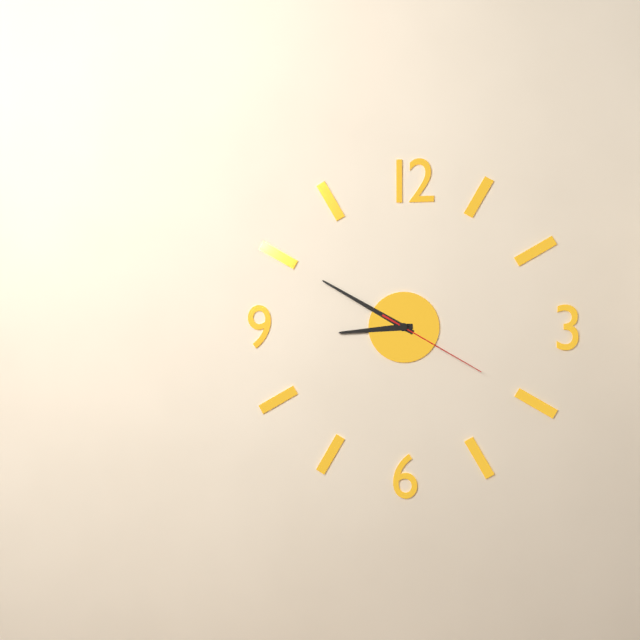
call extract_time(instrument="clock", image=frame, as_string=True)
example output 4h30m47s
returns 8h50m20s
